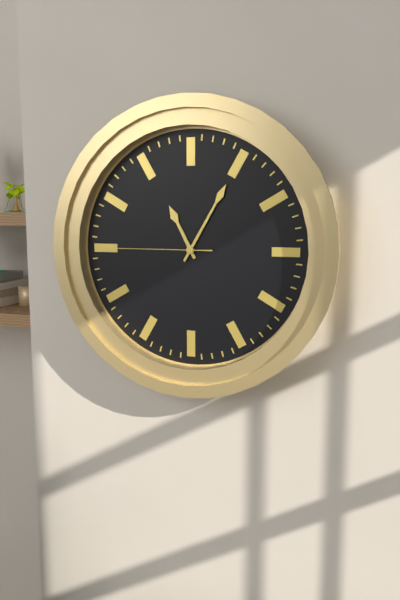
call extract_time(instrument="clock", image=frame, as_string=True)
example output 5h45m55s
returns 11h05m45s
